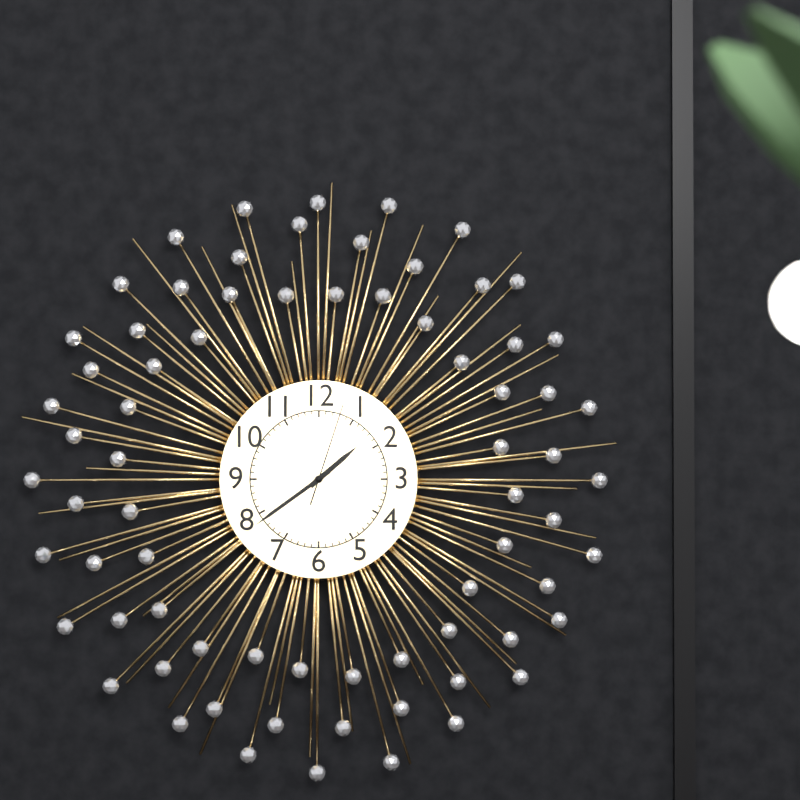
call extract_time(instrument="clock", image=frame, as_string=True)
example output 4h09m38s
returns 1h39m03s
